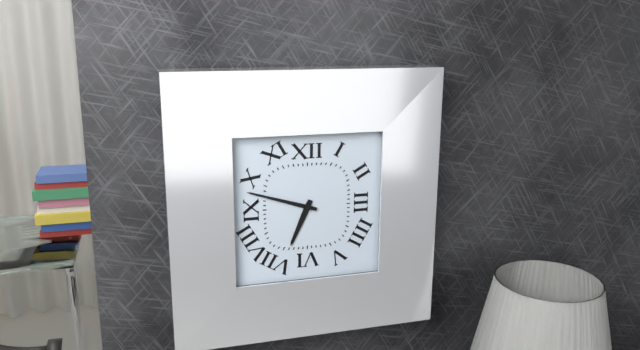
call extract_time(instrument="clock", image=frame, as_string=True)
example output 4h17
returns 6h48
